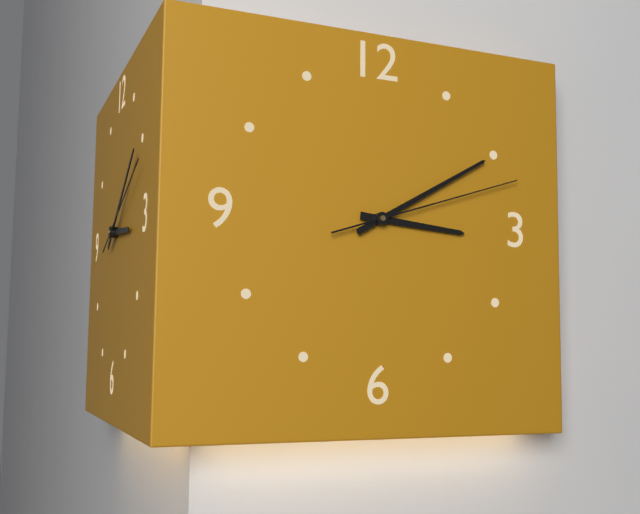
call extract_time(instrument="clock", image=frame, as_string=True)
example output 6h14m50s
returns 3h10m12s
